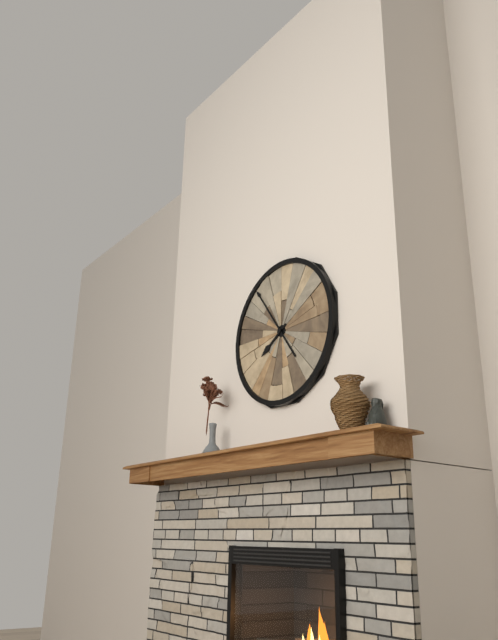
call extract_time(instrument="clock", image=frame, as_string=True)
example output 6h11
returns 7h54
